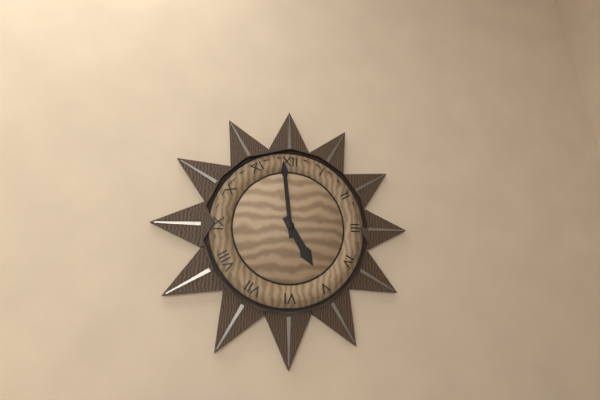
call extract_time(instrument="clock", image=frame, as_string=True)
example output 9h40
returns 4h59
